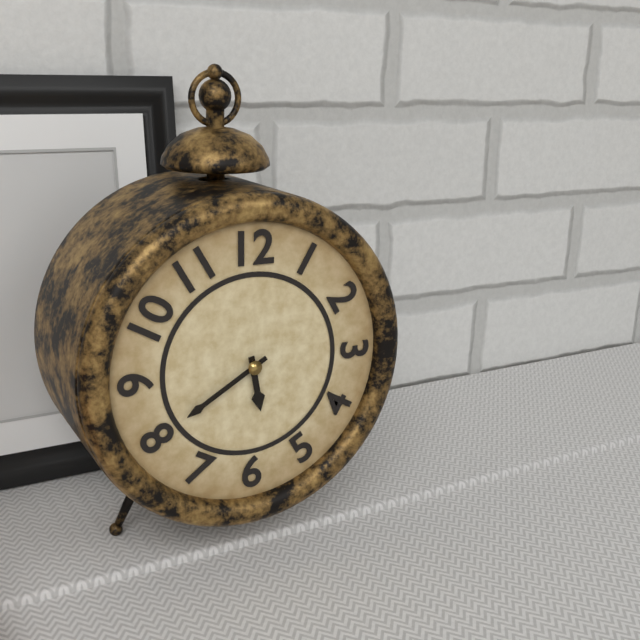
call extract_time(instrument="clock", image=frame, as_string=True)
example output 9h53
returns 5h40
